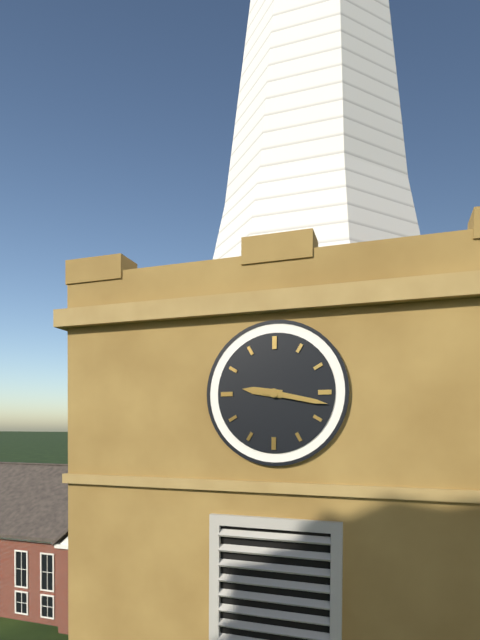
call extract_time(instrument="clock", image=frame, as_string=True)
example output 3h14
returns 9h17
